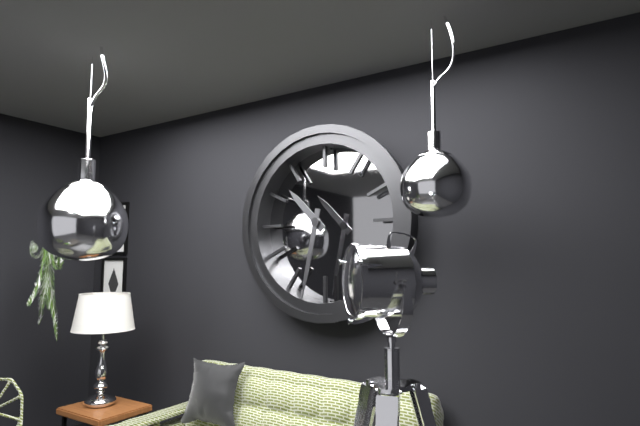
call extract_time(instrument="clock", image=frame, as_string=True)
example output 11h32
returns 10h32
